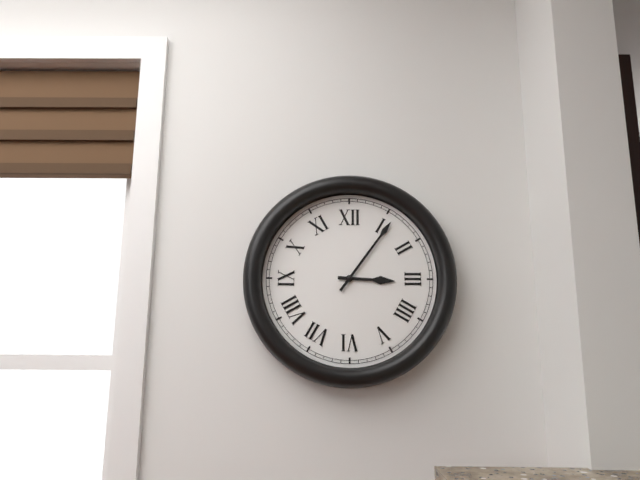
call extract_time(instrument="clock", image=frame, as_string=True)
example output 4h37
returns 3h06
